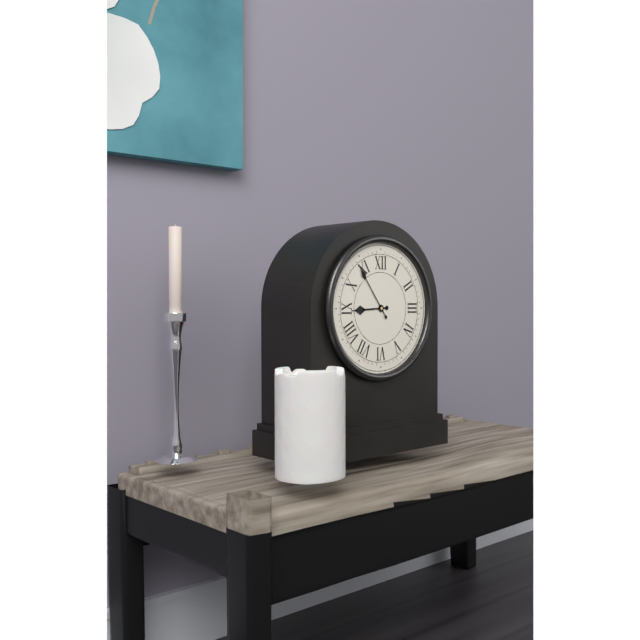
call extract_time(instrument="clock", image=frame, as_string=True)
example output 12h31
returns 8h54
